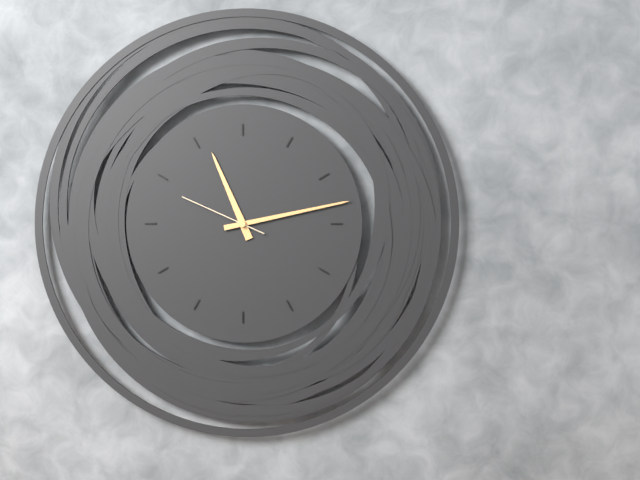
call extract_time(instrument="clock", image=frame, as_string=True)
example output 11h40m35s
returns 11h13m49s
